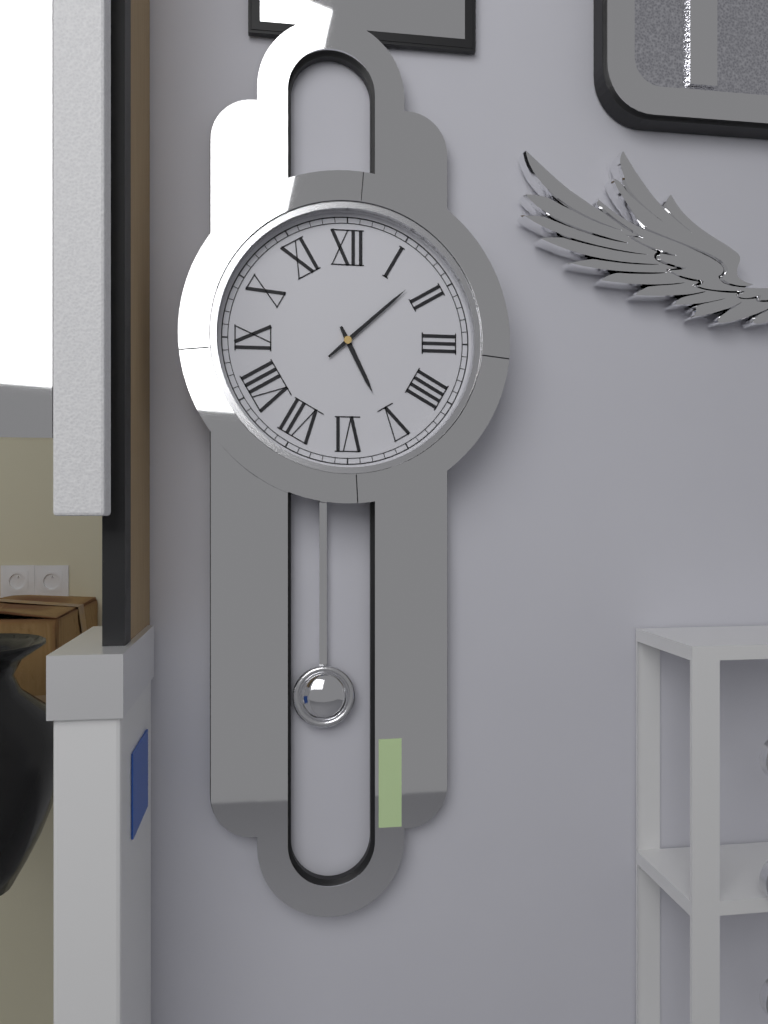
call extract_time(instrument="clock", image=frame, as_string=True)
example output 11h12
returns 5h08
